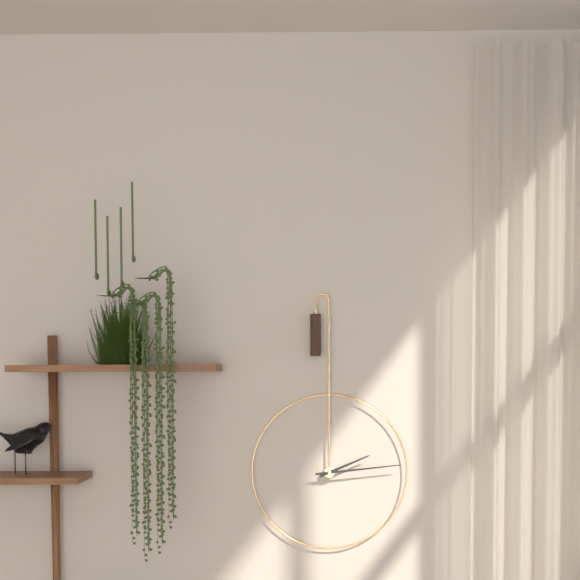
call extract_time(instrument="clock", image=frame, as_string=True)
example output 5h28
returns 2h14
